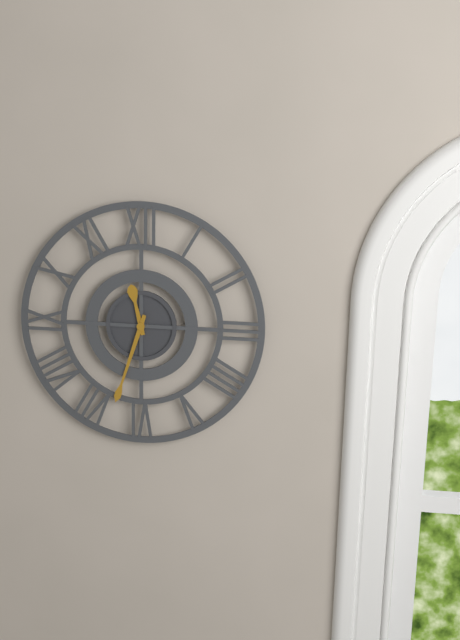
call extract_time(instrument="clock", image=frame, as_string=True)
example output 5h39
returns 11h33
